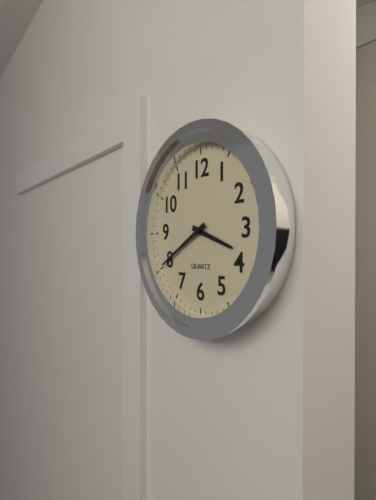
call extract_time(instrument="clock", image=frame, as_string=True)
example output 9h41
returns 3h40
